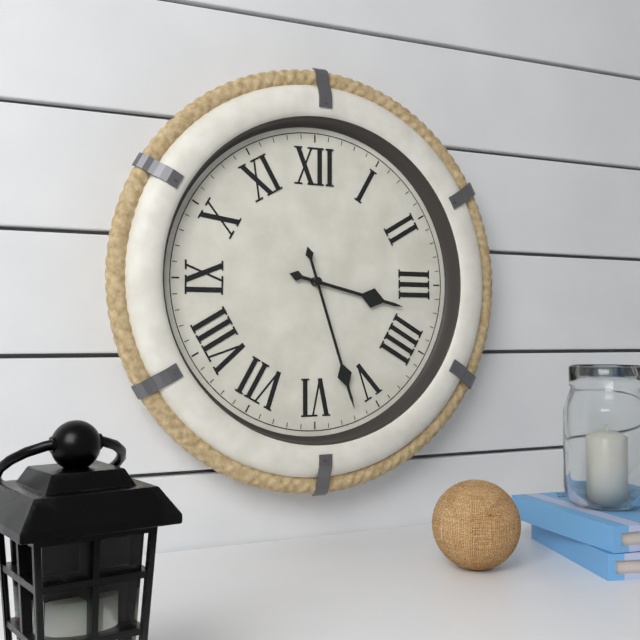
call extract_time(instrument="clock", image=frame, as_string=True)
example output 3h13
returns 3h27
